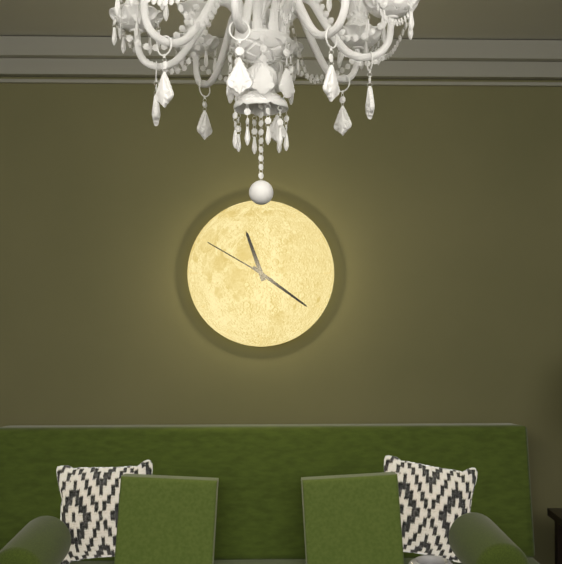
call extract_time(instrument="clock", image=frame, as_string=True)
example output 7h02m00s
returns 11h21m50s
